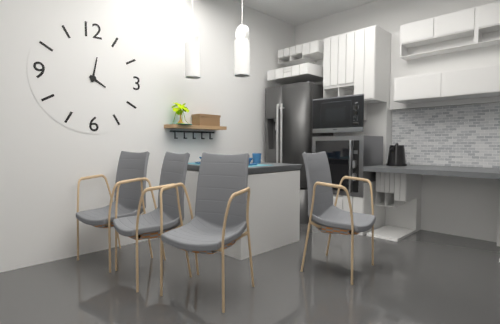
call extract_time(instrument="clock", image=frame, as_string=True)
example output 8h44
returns 4h02
